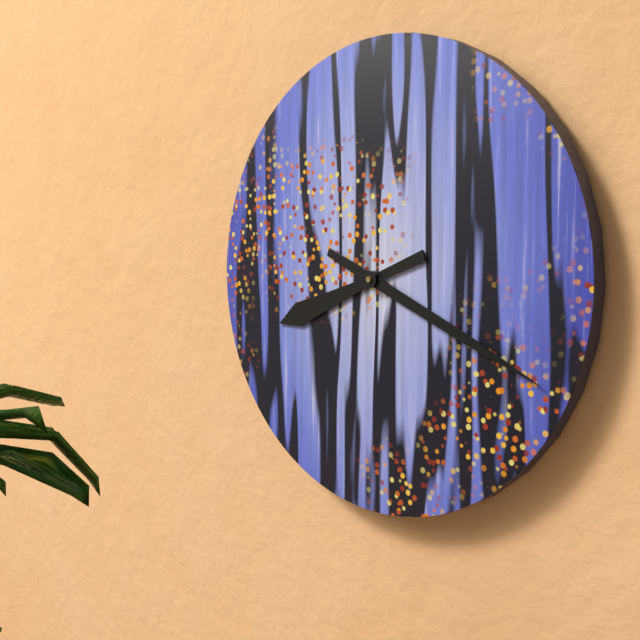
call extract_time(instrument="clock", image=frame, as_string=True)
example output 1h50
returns 8h19
